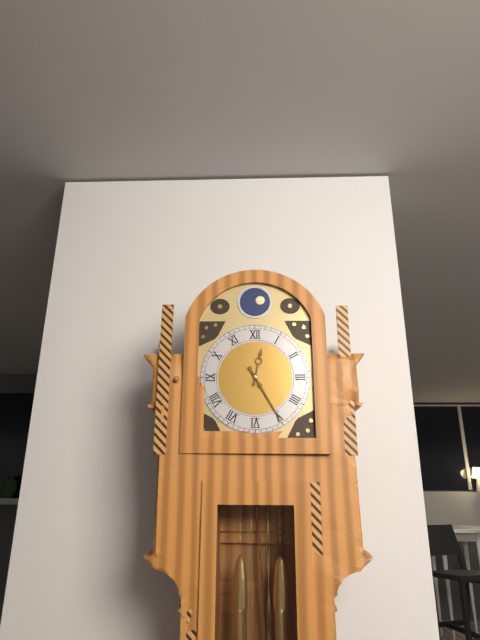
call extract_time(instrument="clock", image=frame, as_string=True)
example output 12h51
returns 12h25
